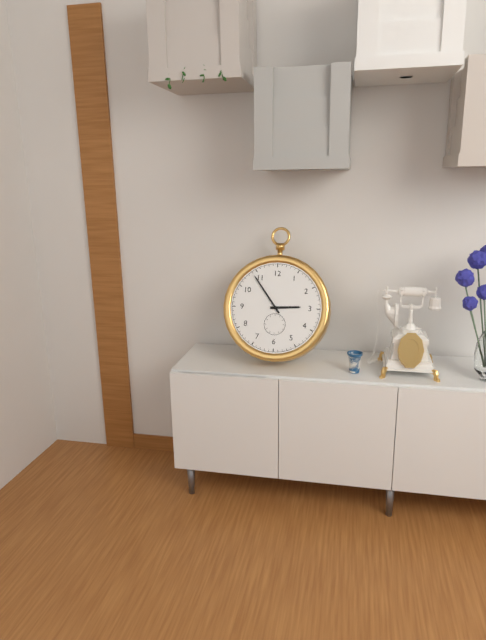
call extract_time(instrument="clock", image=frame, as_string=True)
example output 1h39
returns 2h54
